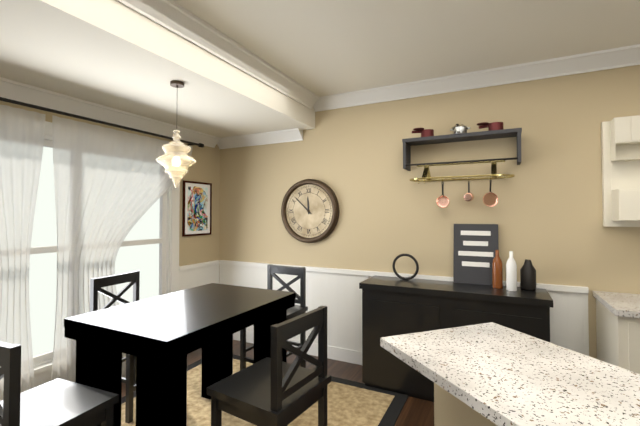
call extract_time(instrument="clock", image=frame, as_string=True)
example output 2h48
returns 11h52
